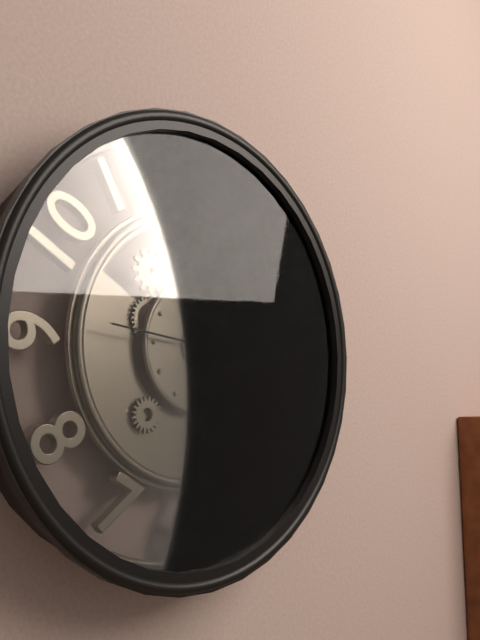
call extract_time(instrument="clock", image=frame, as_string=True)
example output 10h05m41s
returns 12h03m46s
